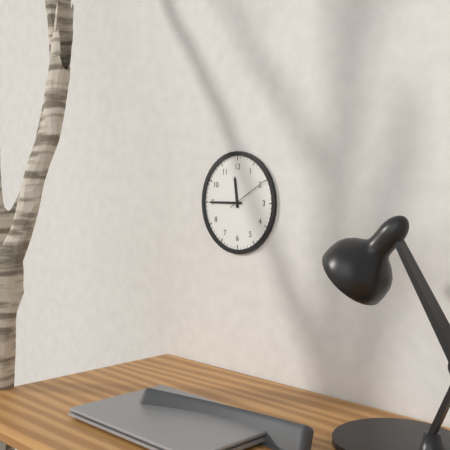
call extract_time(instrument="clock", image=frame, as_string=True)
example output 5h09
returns 11h45
